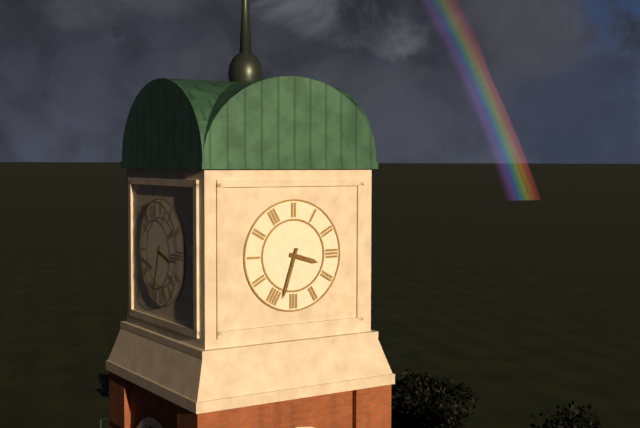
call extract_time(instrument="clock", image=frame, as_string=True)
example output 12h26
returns 3h33
